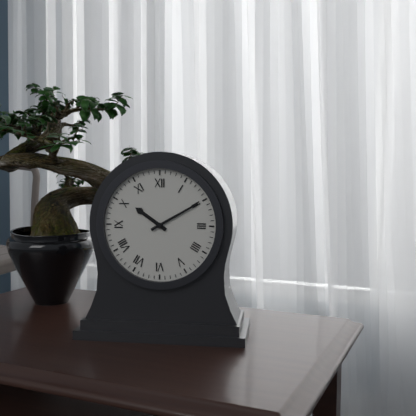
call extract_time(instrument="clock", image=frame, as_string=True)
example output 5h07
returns 10h10
